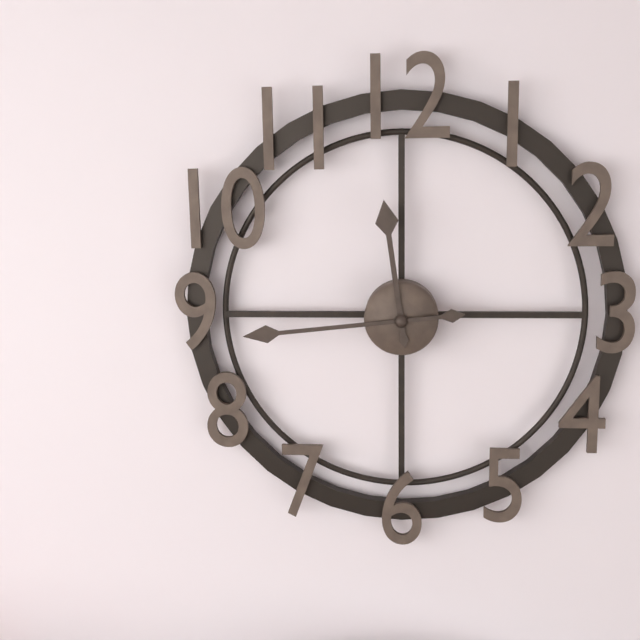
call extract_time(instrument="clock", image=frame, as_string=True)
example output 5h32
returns 11h44
